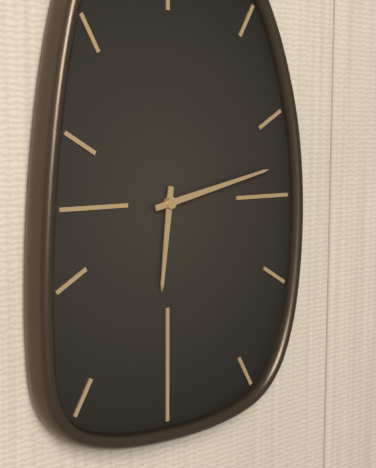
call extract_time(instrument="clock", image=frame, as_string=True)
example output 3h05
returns 6h13
